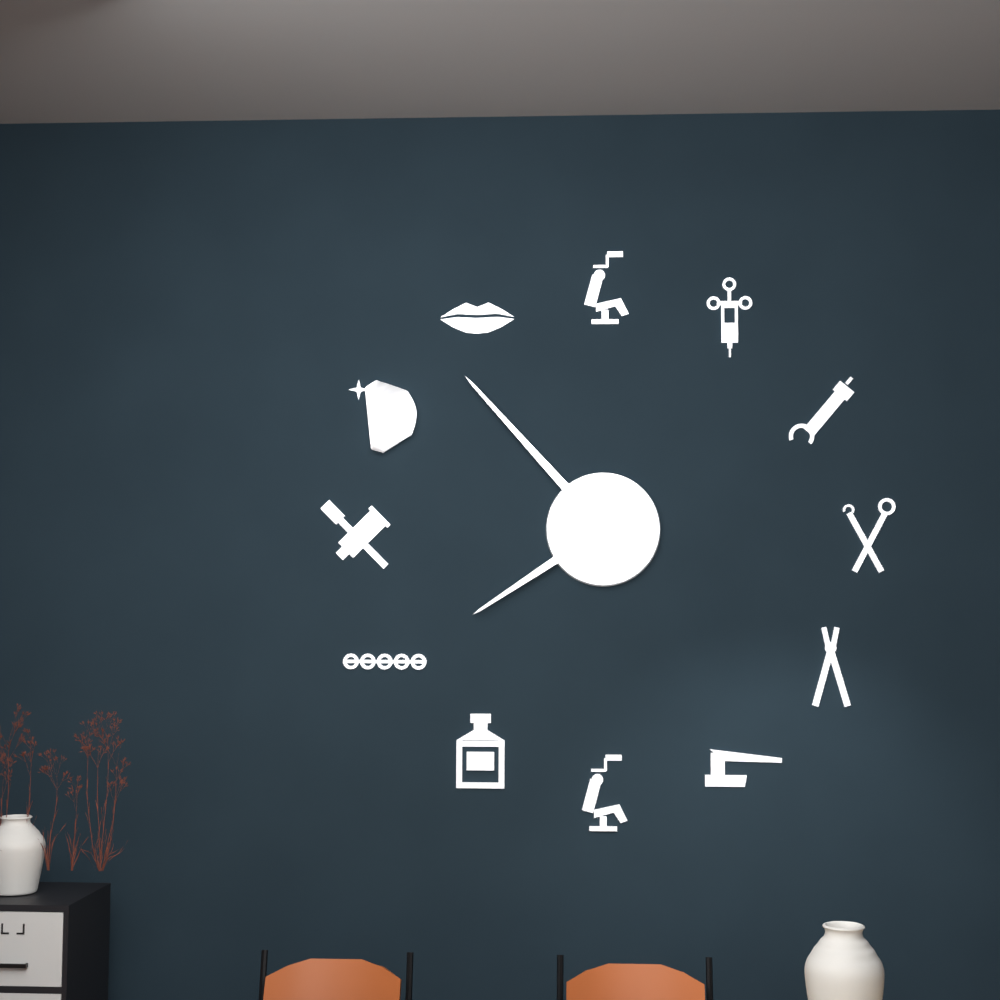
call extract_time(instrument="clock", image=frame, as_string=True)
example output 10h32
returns 7h53
